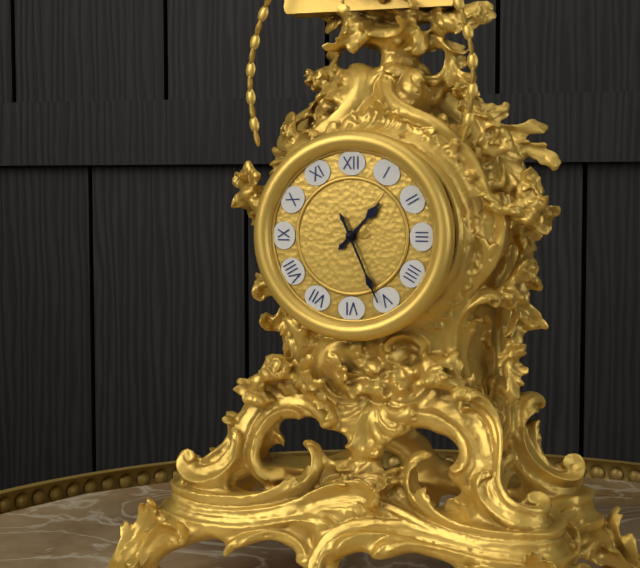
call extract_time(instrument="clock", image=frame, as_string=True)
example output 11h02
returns 1h26
